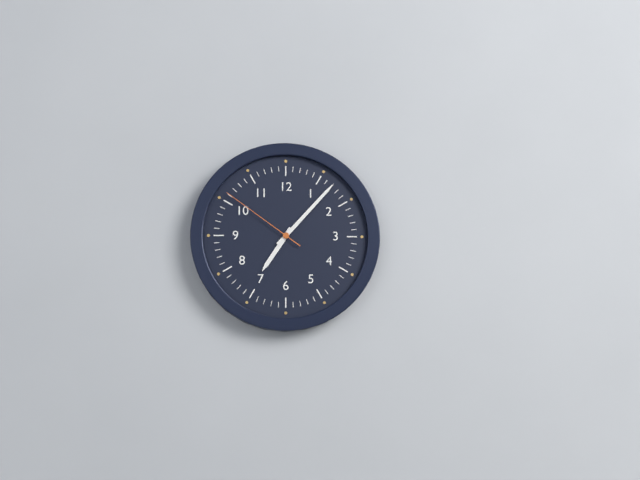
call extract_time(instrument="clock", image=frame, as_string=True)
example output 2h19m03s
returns 7h07m51s
